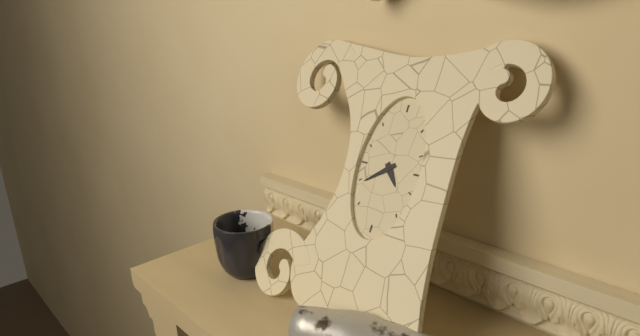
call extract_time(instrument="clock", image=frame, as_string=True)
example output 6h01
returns 4h39
